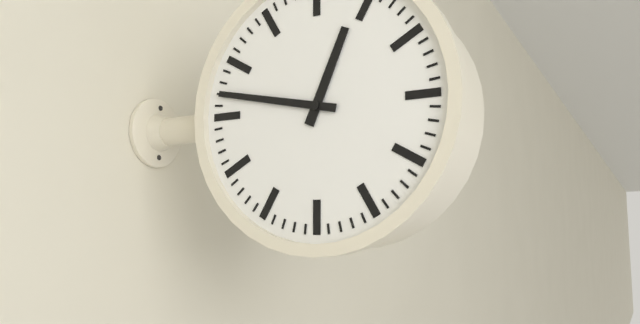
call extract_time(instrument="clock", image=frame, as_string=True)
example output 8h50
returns 12h47
